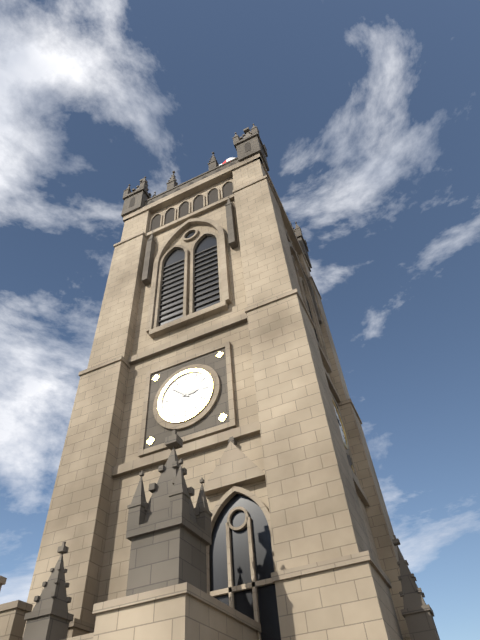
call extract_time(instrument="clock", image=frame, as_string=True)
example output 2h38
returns 2h52
